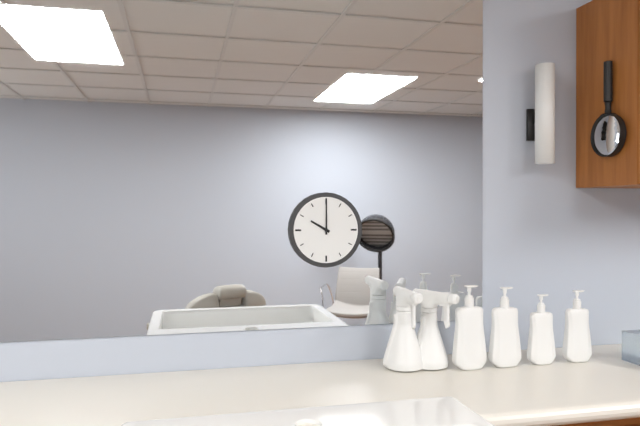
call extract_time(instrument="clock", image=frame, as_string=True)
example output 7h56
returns 10h00
